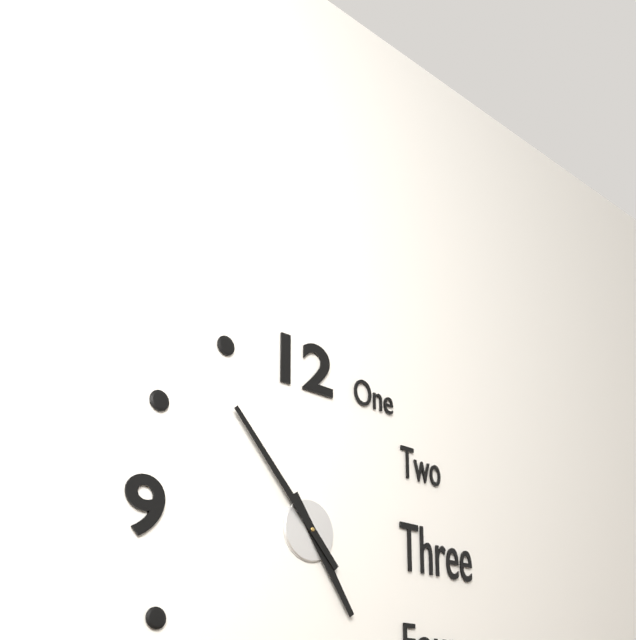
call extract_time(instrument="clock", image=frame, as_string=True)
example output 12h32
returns 4h53
